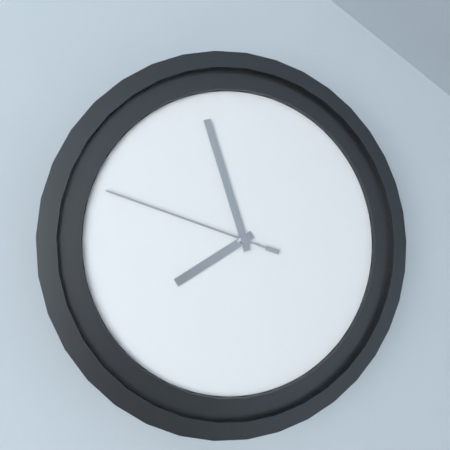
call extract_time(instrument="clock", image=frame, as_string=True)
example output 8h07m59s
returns 7h57m48s
